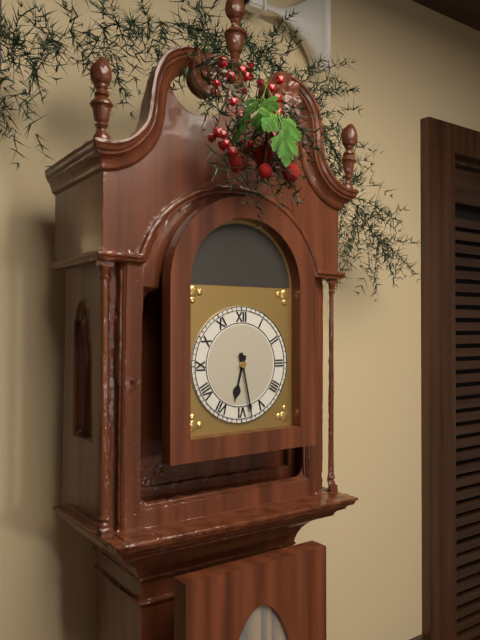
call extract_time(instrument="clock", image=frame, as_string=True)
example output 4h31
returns 6h28
